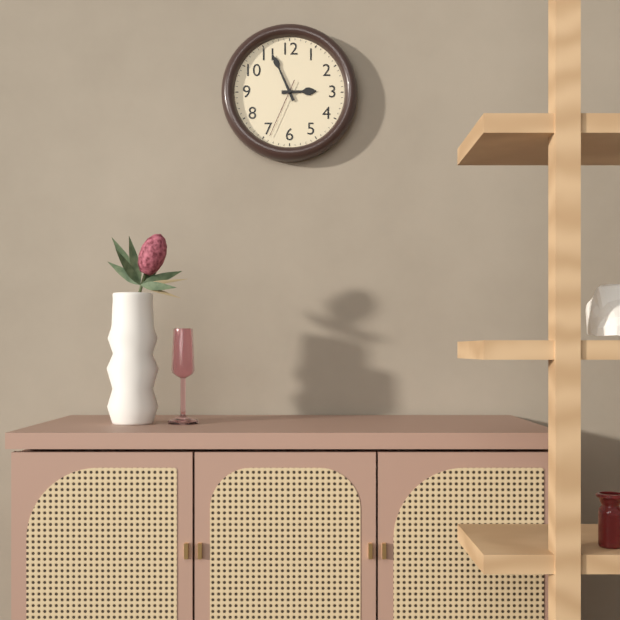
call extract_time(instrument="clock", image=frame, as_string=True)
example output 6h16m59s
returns 2h56m34s
